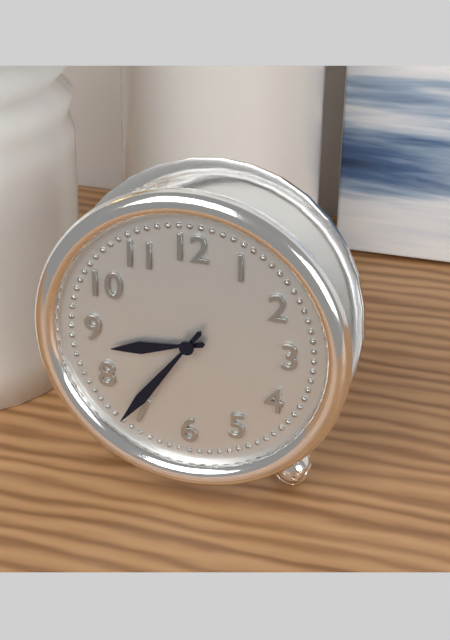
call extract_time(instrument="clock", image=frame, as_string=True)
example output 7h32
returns 8h36
